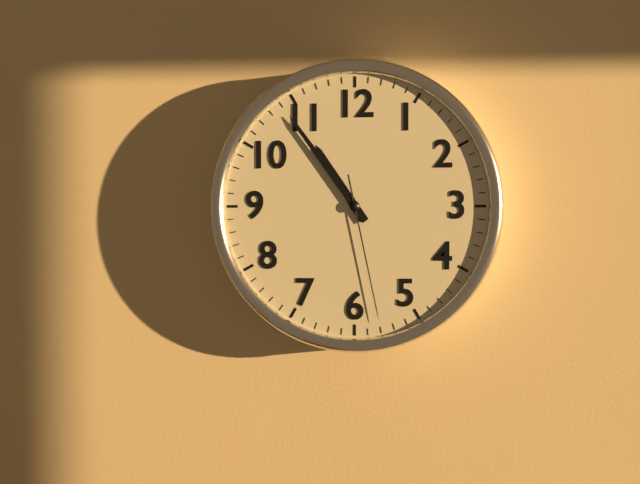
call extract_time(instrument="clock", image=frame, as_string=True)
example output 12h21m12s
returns 10h54m28s
